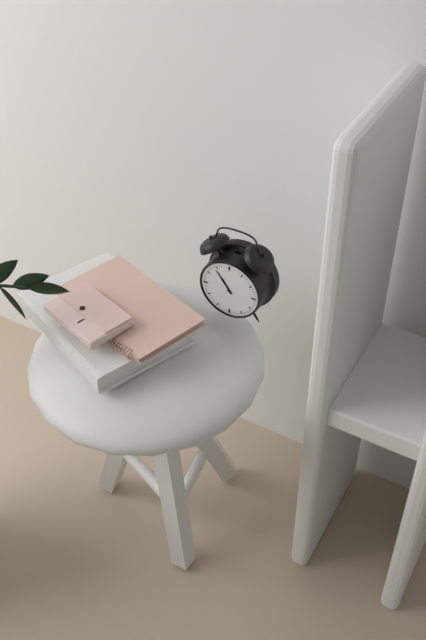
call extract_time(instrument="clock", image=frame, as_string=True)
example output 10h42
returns 10h54
